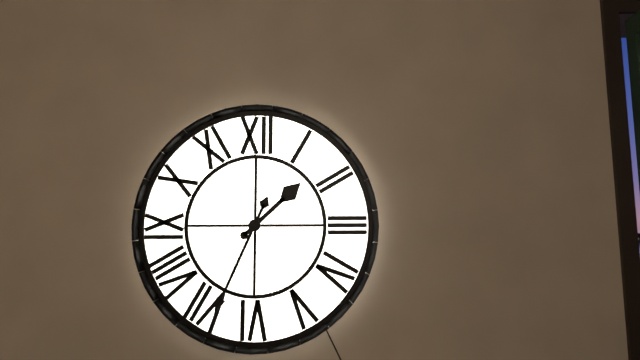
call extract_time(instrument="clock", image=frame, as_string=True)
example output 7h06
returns 1h34
